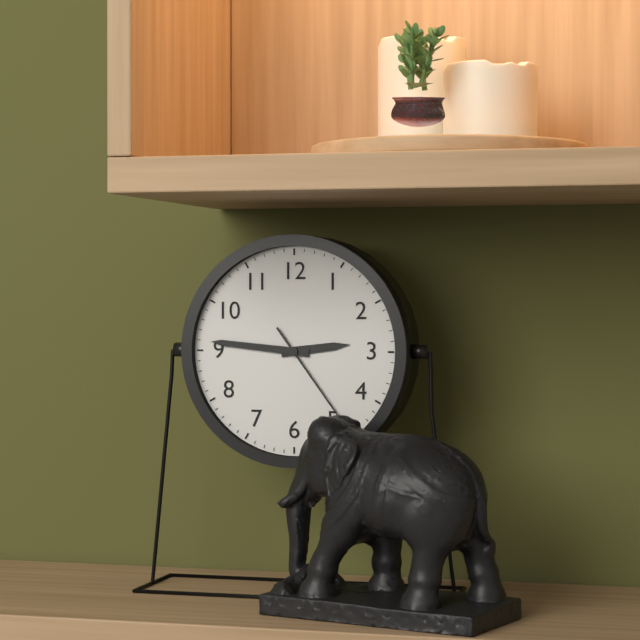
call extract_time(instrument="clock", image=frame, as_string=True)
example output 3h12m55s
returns 2h46m24s
